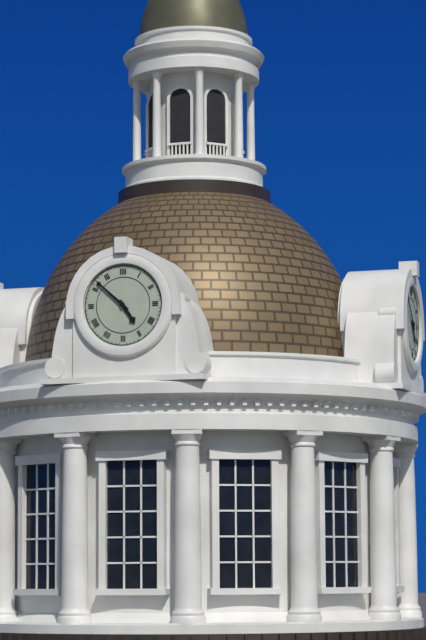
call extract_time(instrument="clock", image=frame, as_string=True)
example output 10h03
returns 4h52
